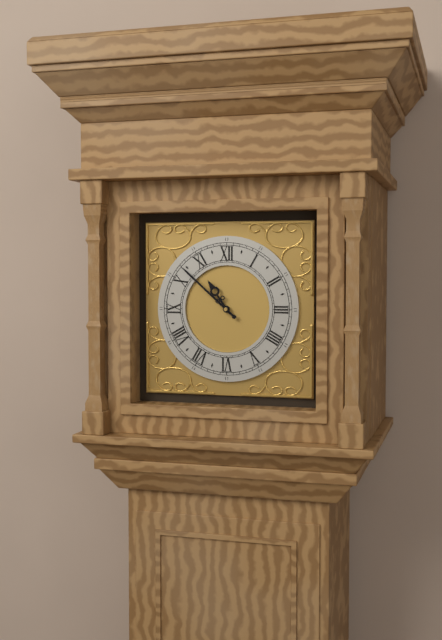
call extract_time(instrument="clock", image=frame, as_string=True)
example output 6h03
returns 10h52
